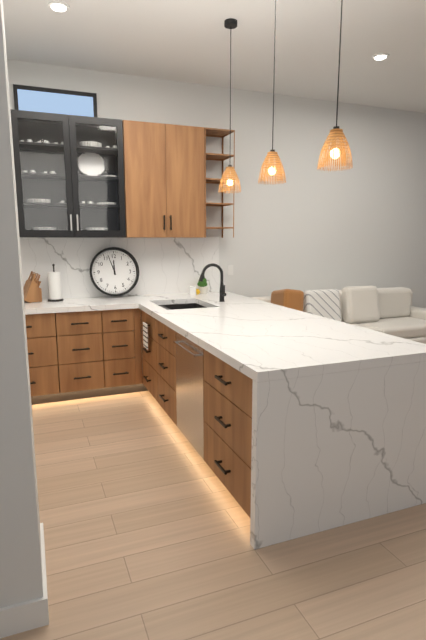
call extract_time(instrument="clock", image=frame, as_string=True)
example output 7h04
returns 11h57
